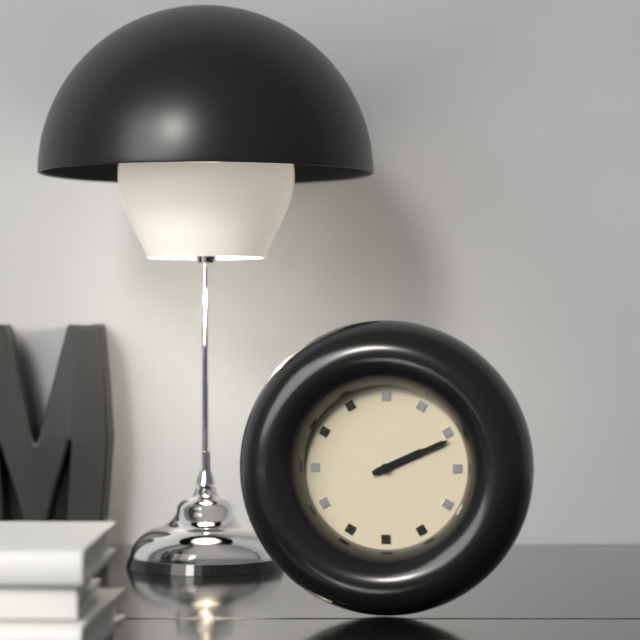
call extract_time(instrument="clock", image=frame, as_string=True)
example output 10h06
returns 2h11
